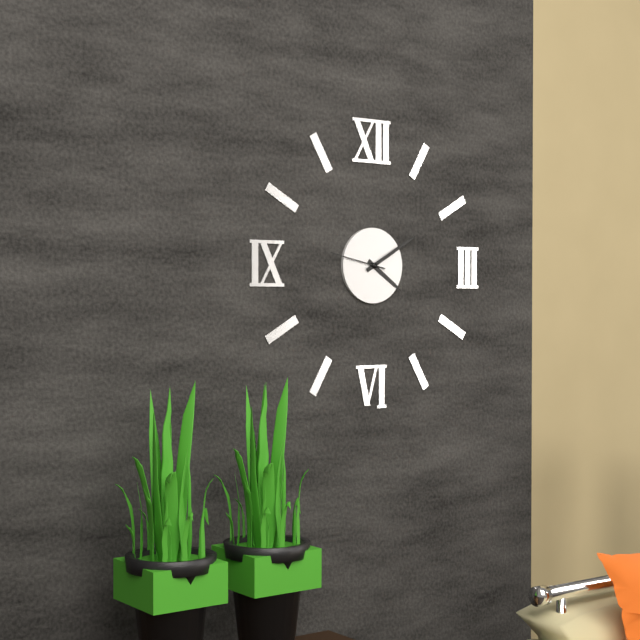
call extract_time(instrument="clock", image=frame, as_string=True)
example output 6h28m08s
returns 4h10m47s
